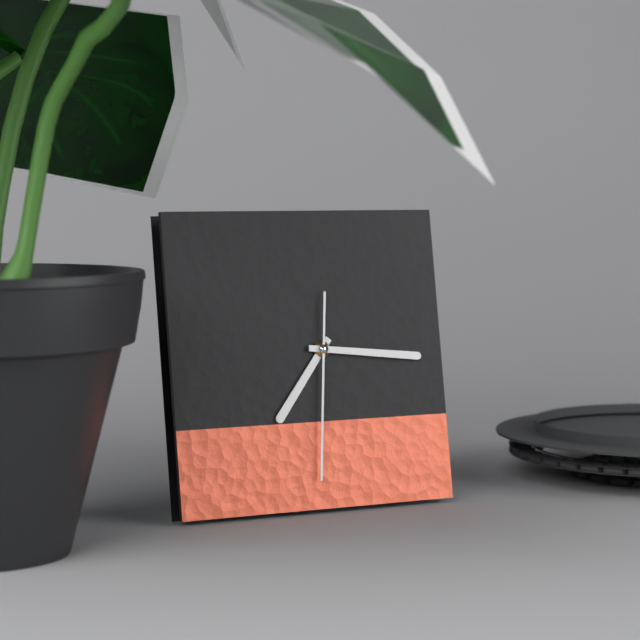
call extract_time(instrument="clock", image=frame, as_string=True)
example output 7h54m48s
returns 7h16m31s
